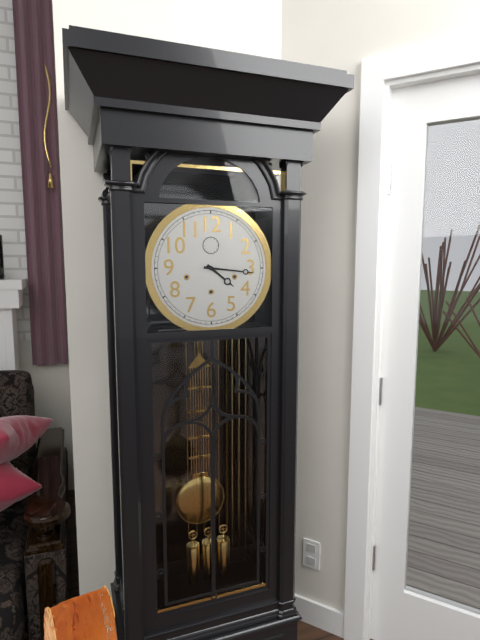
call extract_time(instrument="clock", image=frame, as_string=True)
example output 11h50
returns 4h16
